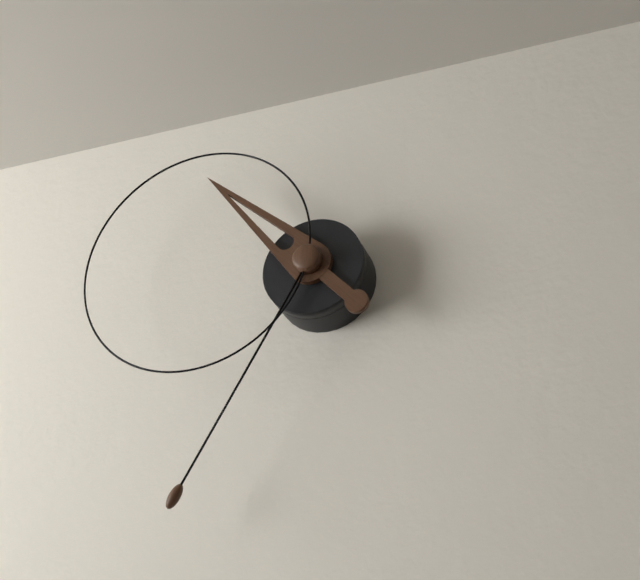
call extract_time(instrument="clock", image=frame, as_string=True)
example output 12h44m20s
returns 10h35m47s
